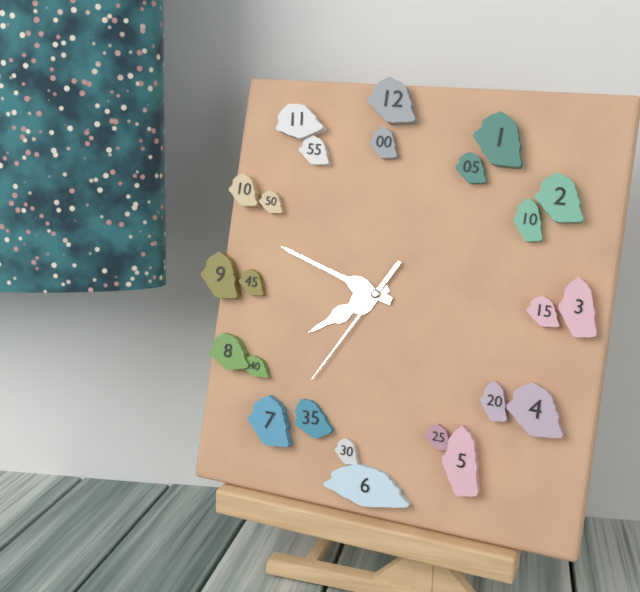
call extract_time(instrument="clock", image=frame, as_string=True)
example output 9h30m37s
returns 7h48m35s
